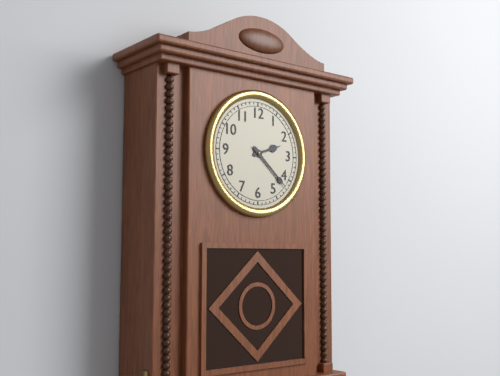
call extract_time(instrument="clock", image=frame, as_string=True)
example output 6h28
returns 2h22
